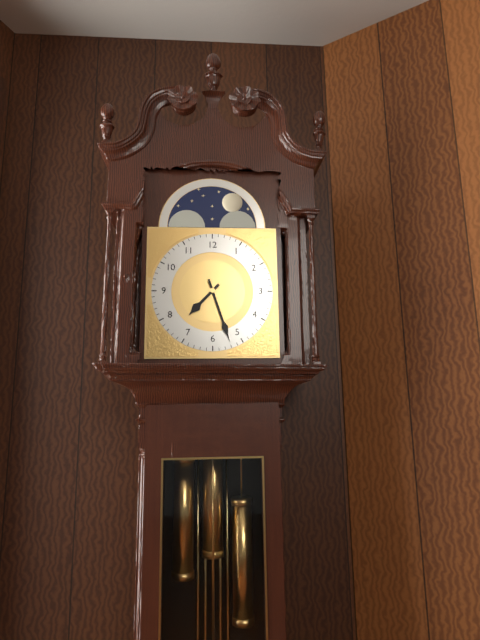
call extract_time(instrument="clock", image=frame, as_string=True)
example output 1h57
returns 7h27
